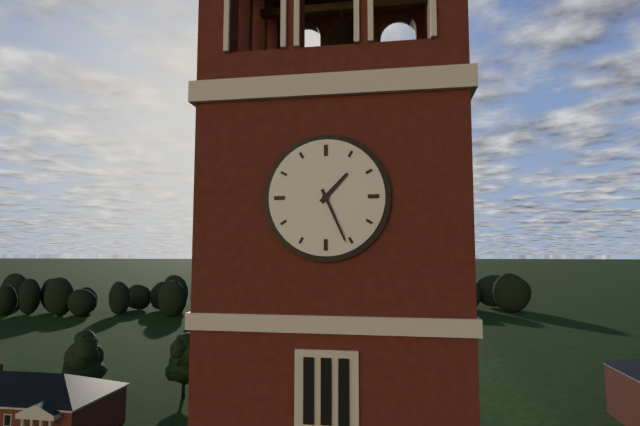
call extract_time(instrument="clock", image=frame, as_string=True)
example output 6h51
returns 1h26
